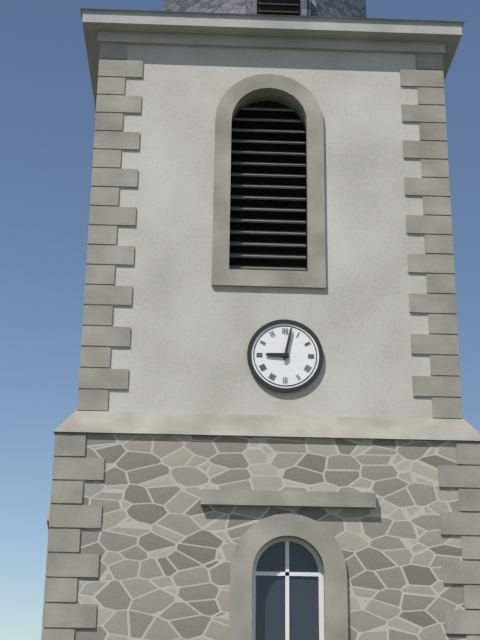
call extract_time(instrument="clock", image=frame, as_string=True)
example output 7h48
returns 9h02
